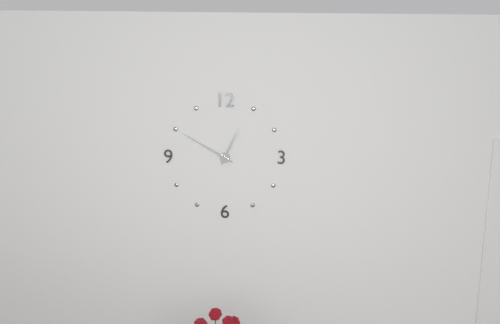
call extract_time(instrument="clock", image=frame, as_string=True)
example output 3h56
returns 12h50
